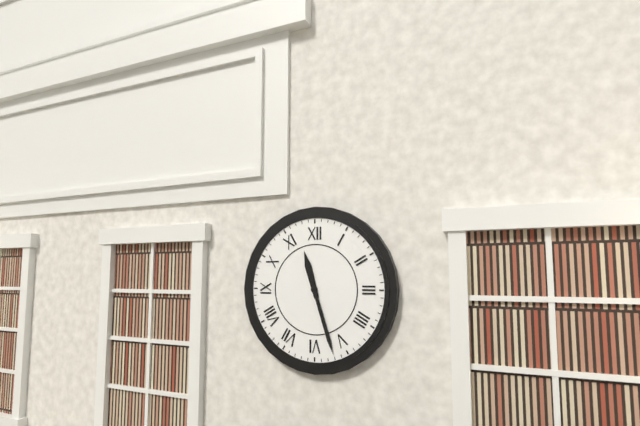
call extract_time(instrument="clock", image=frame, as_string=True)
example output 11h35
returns 11h27
